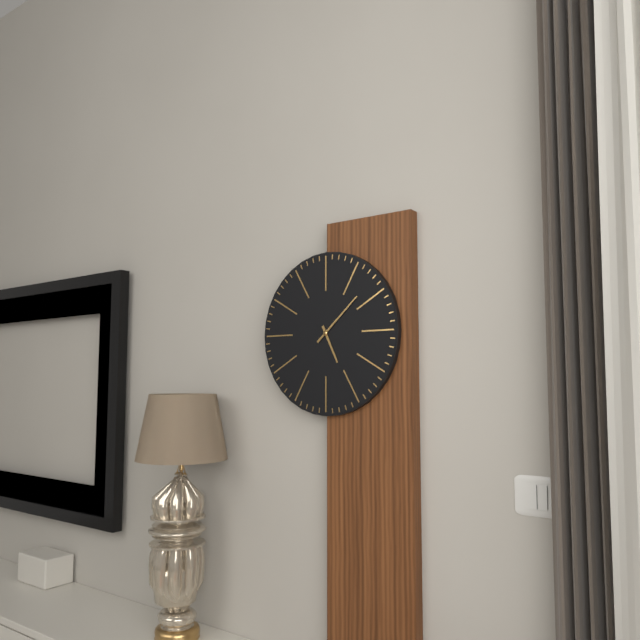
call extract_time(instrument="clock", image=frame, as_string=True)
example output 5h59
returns 5h08
